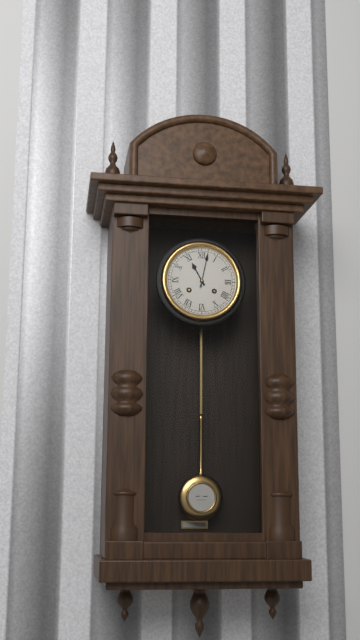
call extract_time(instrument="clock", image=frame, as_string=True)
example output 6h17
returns 11h02
